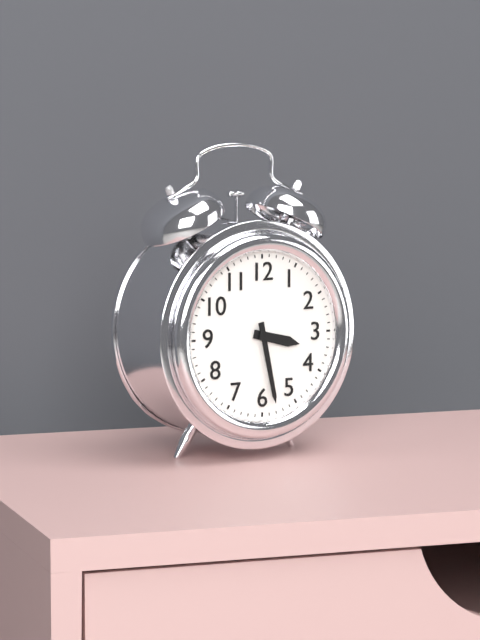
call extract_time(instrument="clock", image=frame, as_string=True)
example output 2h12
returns 3h28
